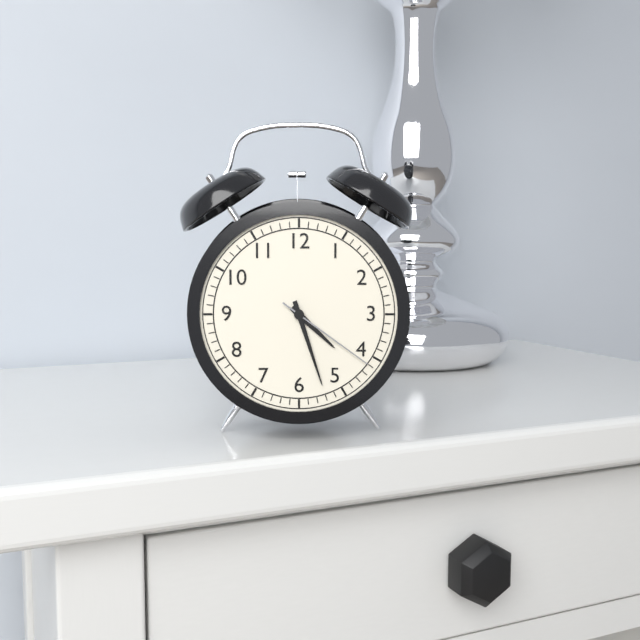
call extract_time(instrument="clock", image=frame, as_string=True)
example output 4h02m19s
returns 4h27m21s
